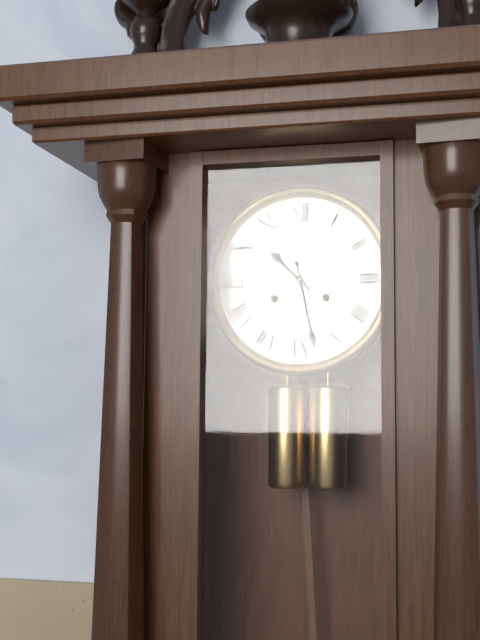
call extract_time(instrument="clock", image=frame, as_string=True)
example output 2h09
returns 10h28
